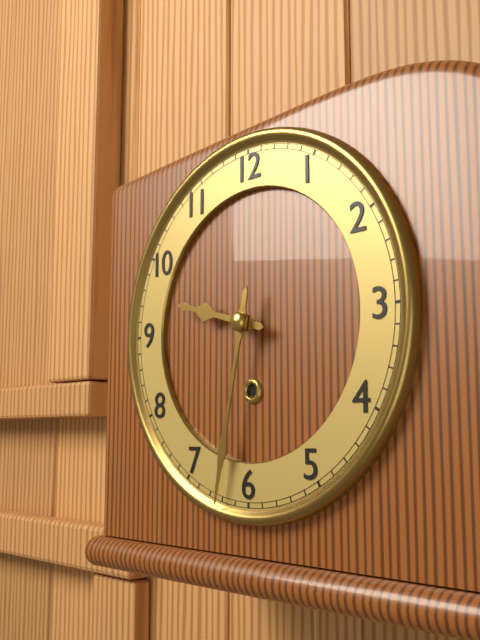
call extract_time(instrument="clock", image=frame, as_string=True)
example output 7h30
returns 9h32
